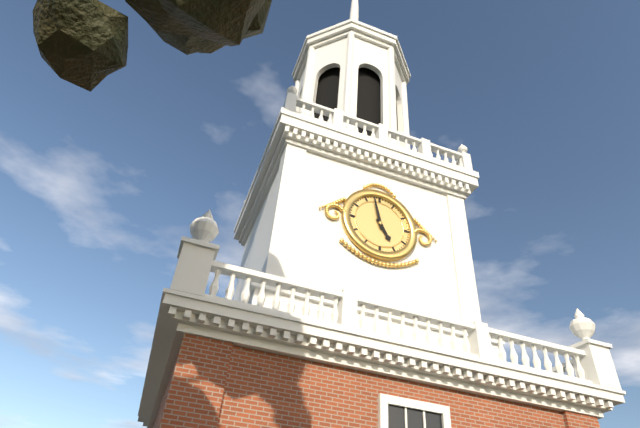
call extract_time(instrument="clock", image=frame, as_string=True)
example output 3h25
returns 4h58
